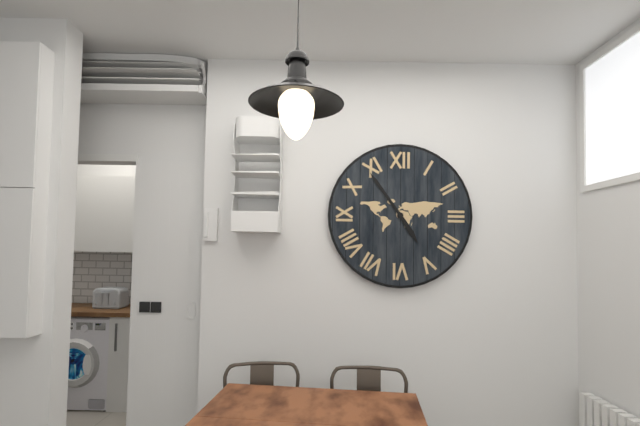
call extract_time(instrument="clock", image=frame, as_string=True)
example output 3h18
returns 4h54
